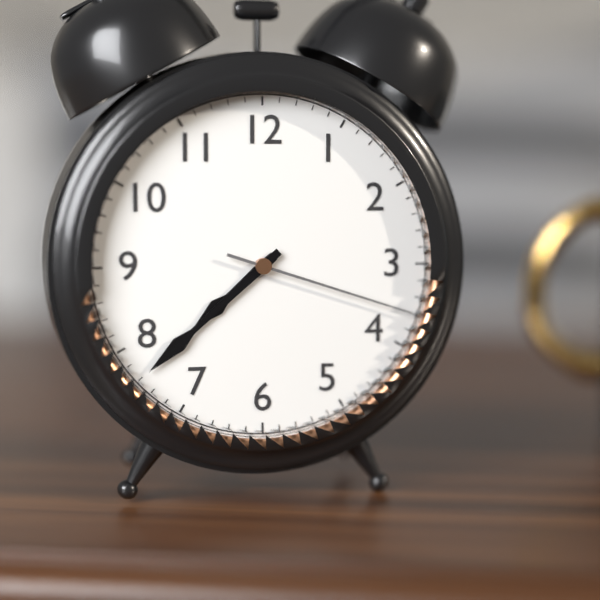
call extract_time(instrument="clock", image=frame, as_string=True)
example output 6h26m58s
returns 7h38m18s
